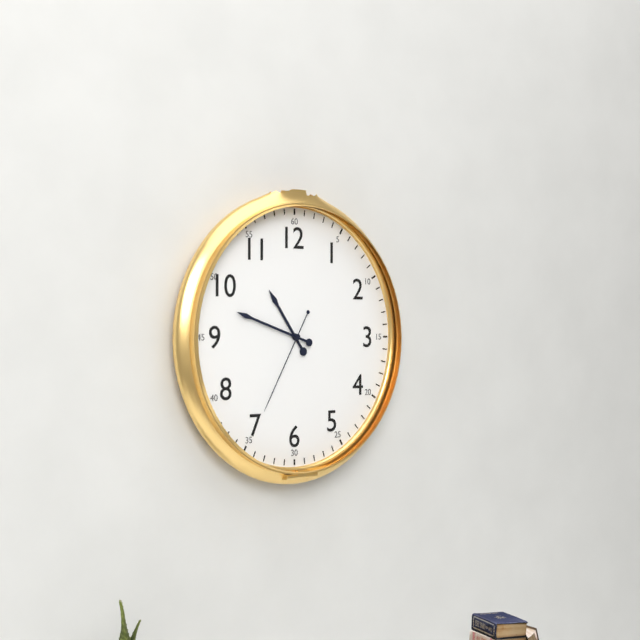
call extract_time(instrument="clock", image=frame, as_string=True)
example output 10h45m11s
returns 10h48m35s
